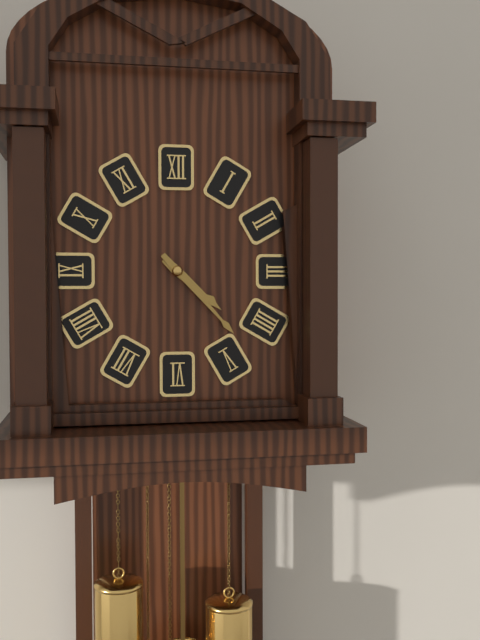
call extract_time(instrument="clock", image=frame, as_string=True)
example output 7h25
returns 4h23
